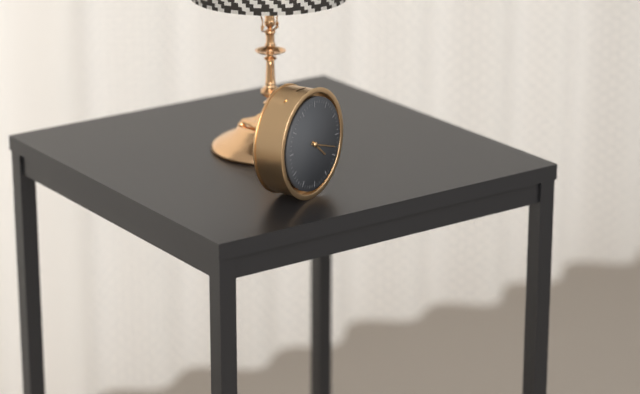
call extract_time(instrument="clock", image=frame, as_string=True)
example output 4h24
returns 4h18
